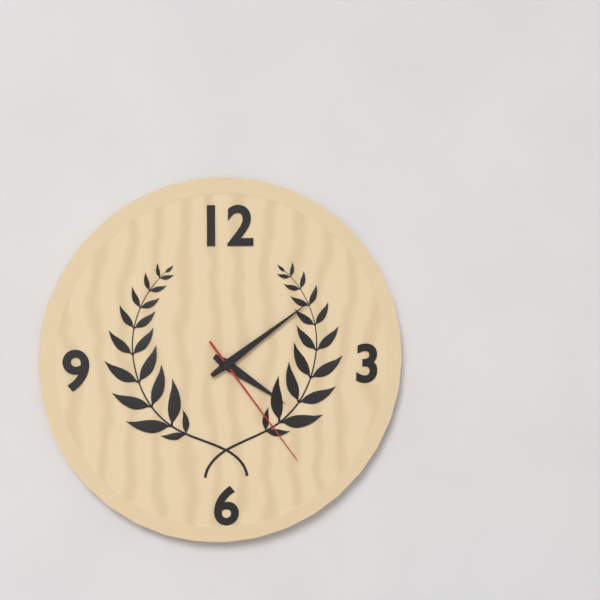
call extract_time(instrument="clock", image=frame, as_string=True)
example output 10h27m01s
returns 4h09m24s
